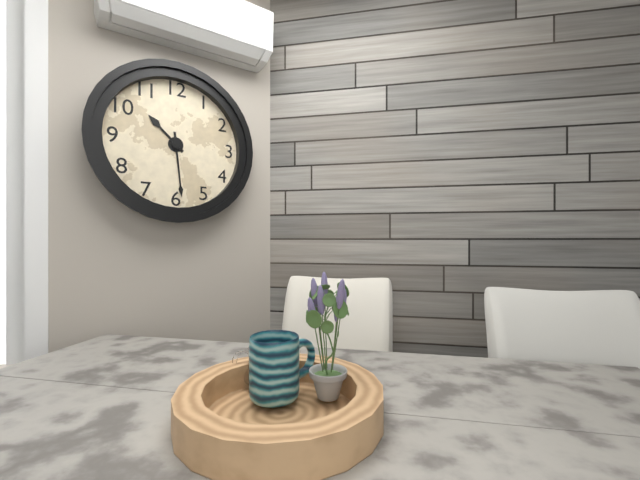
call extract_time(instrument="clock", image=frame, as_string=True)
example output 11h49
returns 10h29
